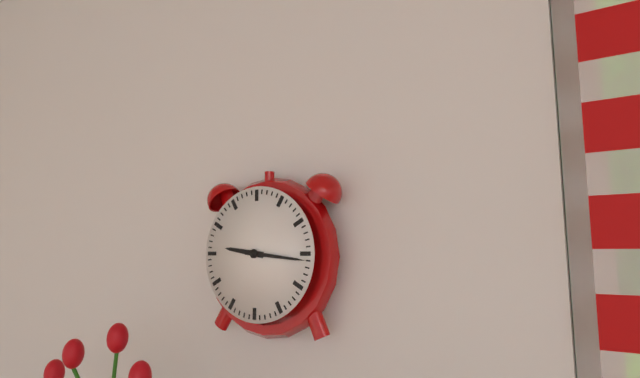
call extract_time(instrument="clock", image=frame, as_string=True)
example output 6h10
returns 9h16
